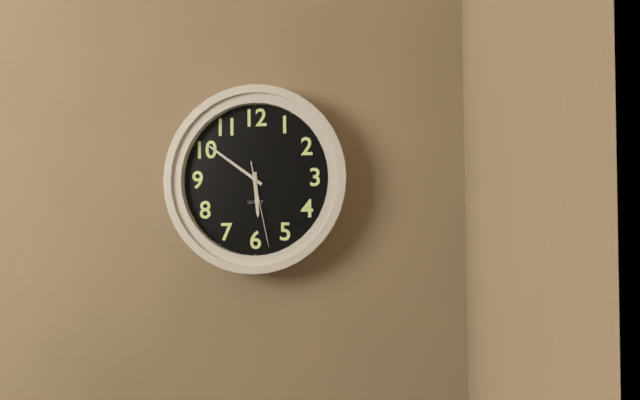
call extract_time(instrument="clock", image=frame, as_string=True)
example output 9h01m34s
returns 5h51m28s
